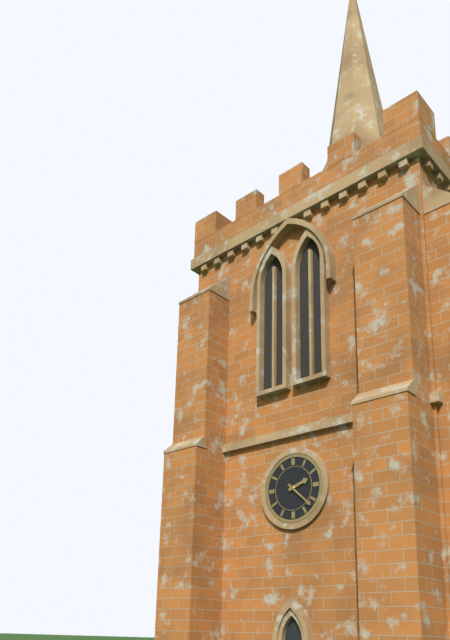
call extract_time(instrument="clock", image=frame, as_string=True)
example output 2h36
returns 2h22
